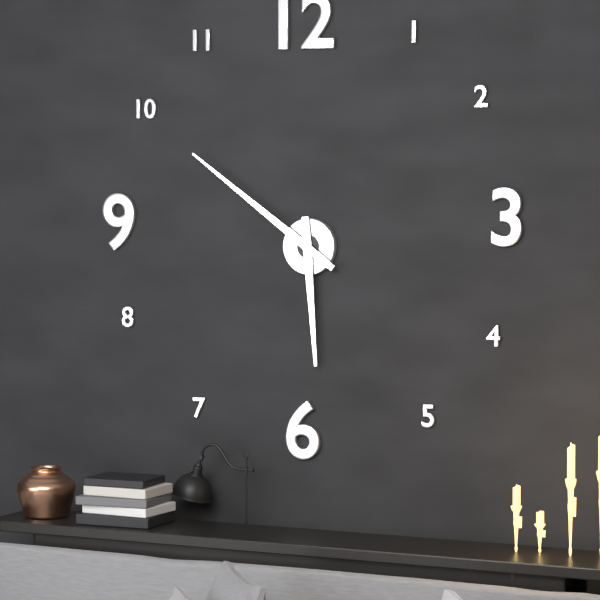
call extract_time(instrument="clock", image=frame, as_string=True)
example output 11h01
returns 5h51
